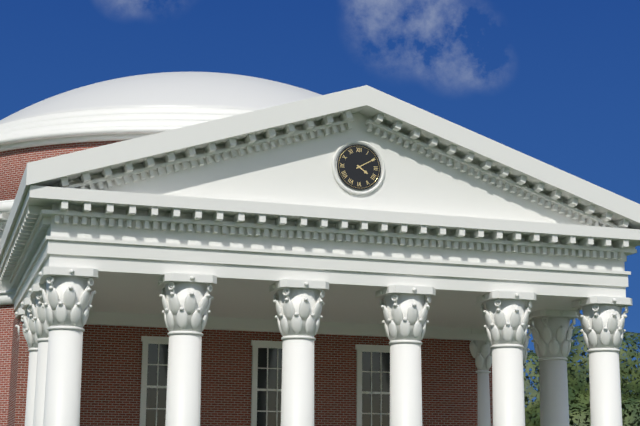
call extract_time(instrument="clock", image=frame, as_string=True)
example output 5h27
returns 4h10
